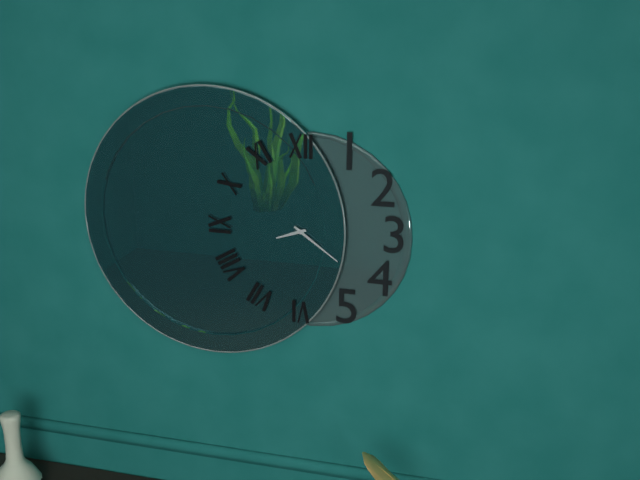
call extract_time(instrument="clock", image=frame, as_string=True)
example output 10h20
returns 8h21
